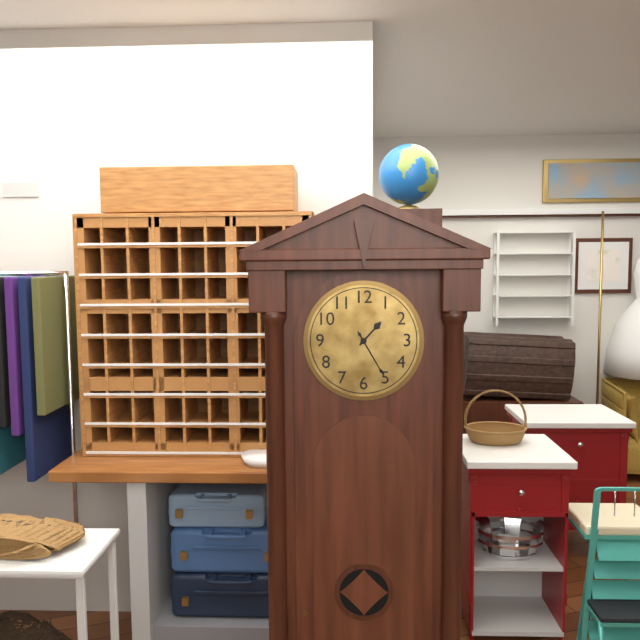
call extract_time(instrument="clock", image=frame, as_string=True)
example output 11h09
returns 1h25
